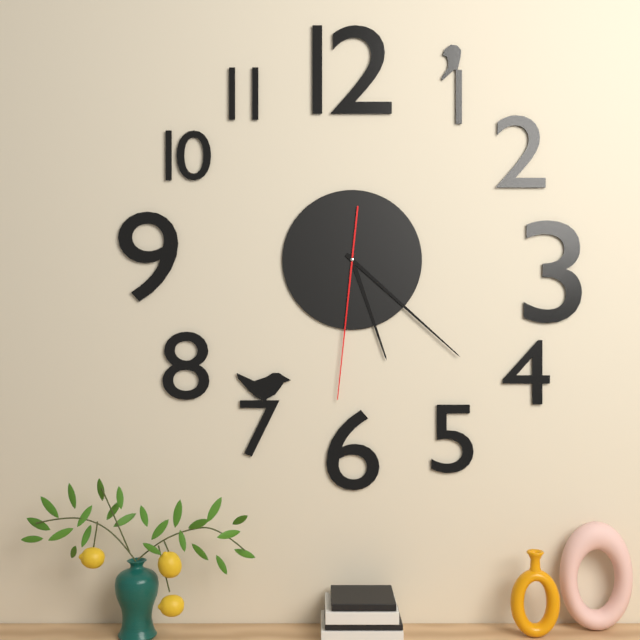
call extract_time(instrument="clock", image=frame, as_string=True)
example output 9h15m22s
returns 5h22m31s
